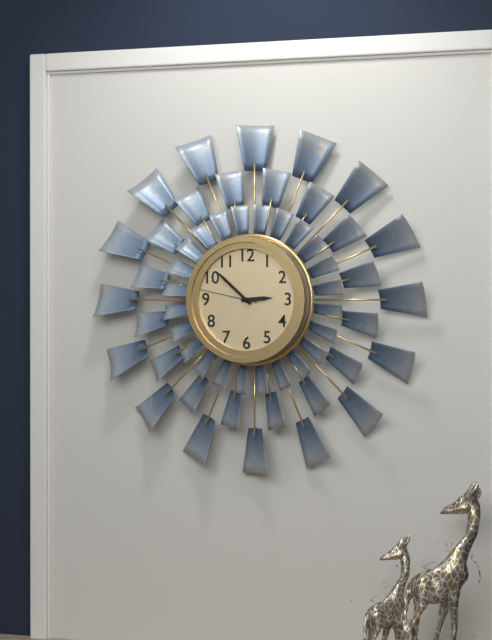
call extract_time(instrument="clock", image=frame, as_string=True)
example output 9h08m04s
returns 2h52m47s
